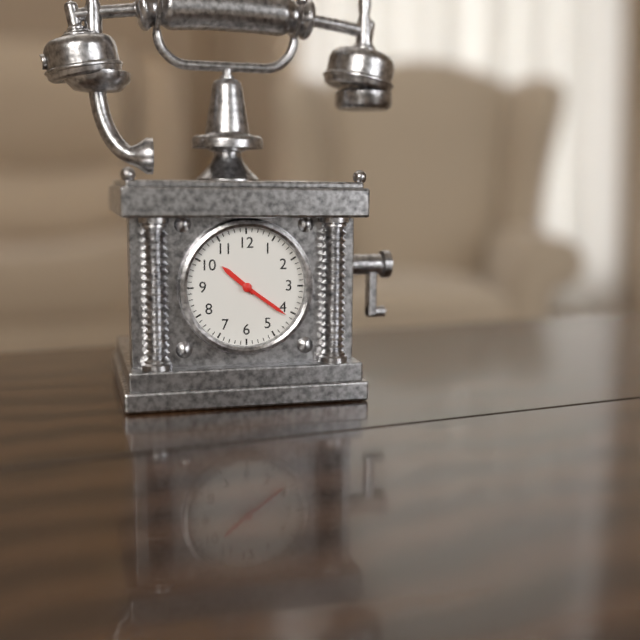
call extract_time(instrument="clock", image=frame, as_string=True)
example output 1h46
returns 10h21
